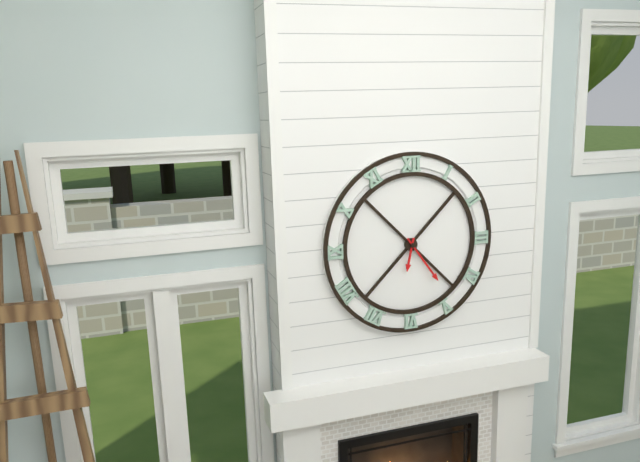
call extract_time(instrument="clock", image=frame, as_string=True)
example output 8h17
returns 6h24
